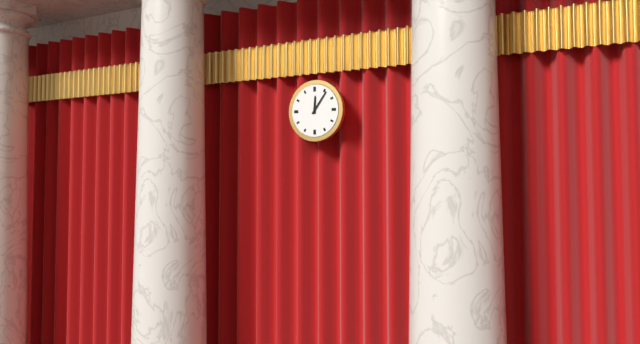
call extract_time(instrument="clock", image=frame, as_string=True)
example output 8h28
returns 12h06
